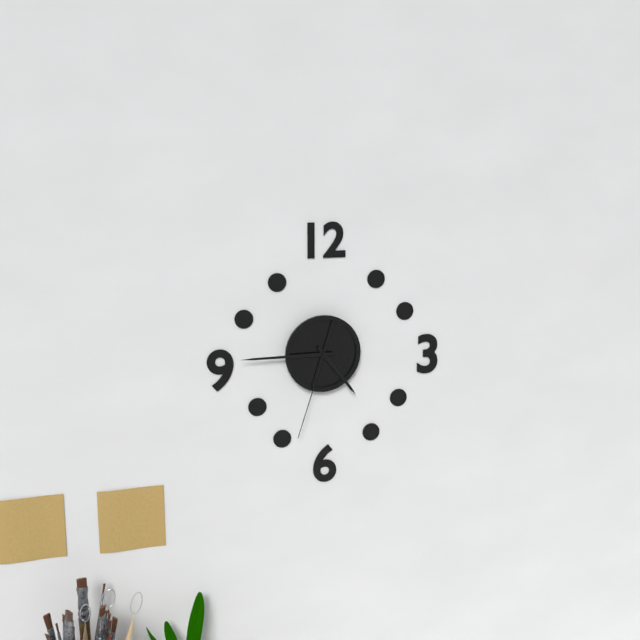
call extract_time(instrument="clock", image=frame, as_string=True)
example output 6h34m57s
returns 4h45m33s
